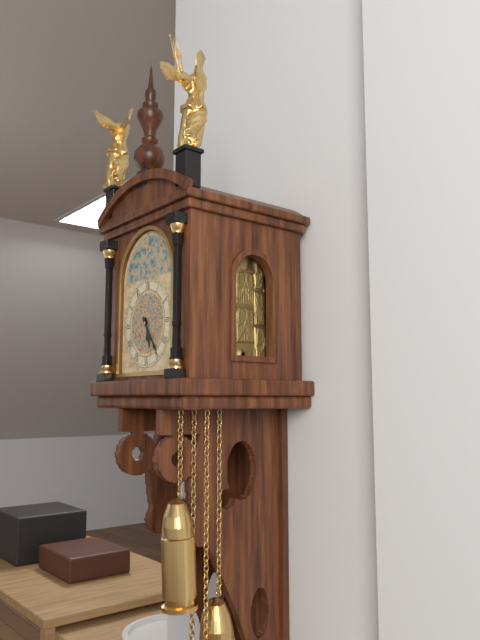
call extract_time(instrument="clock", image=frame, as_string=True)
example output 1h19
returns 5h24
